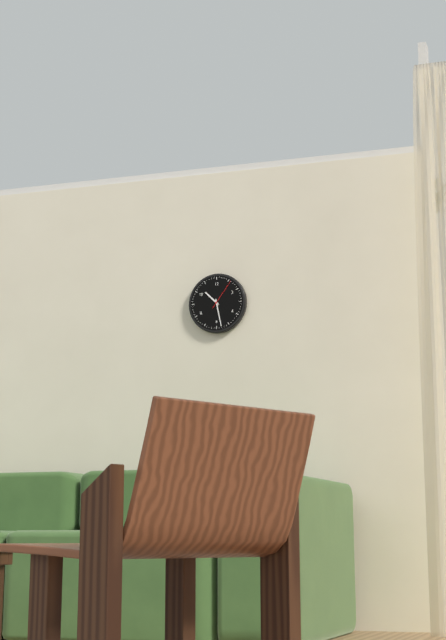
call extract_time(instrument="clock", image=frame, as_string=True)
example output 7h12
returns 10h28
